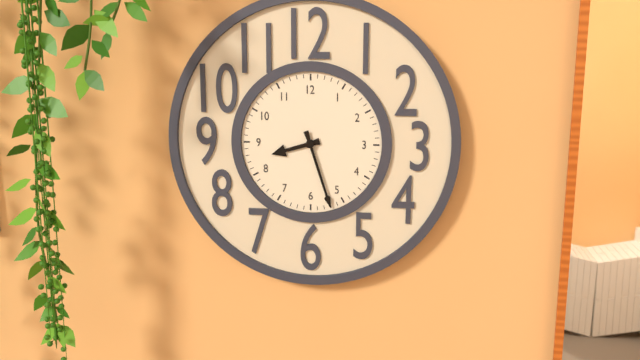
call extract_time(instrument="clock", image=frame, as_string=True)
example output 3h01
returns 8h27
